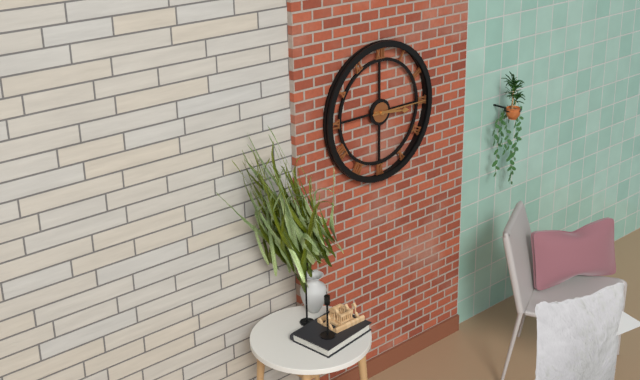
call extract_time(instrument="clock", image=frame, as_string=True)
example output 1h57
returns 3h15
